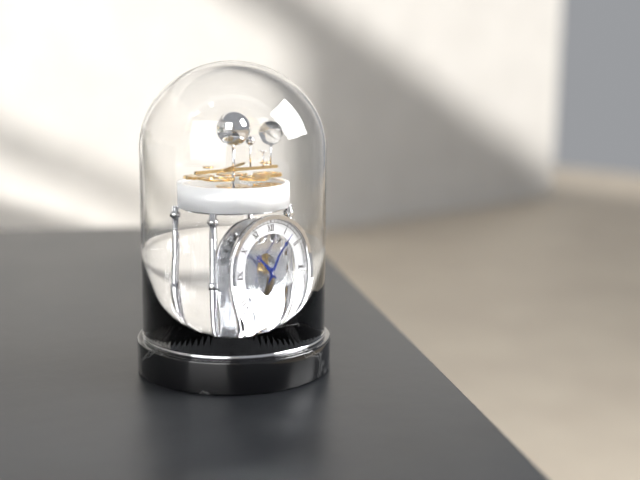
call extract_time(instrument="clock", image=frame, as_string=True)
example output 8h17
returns 10h07
